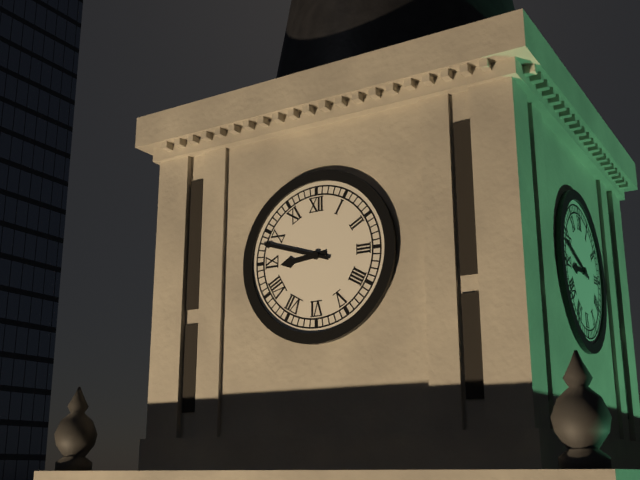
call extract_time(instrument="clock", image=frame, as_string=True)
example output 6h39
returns 8h48
